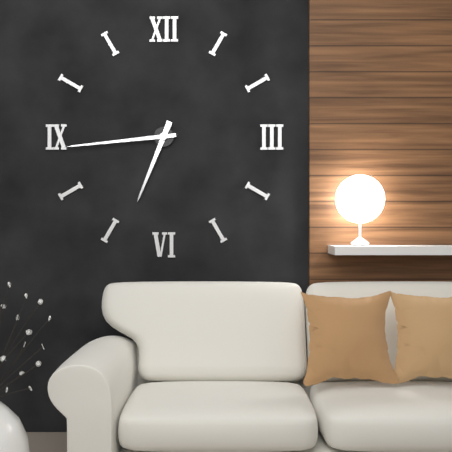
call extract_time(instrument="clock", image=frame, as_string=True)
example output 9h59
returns 6h44
